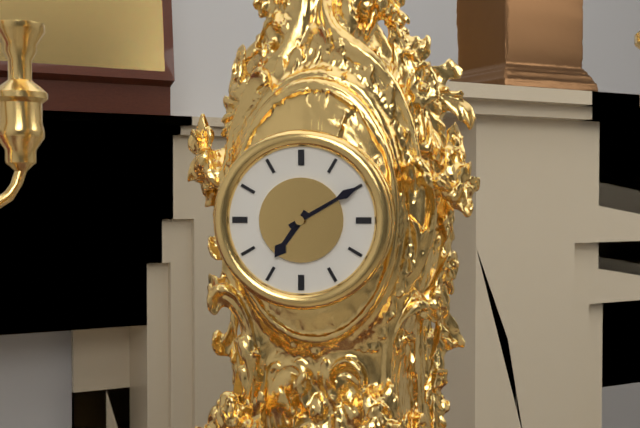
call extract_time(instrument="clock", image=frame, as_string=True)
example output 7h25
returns 7h10
